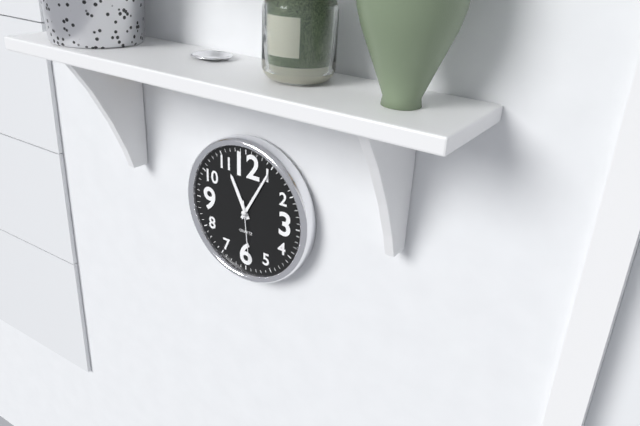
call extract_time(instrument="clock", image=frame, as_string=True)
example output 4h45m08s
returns 11h05m29s
